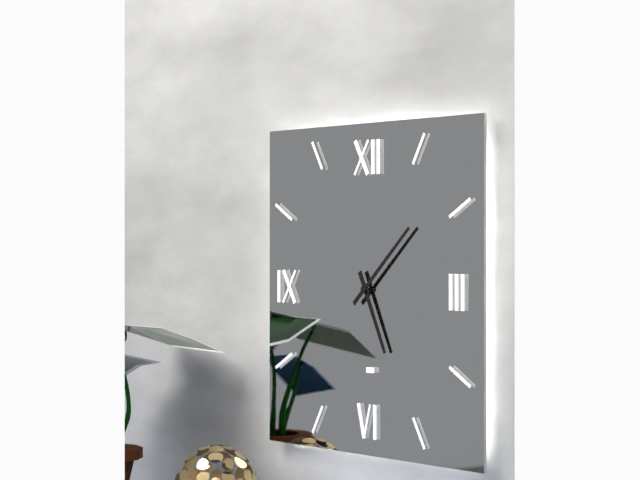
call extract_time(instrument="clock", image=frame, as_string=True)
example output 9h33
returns 5h08
